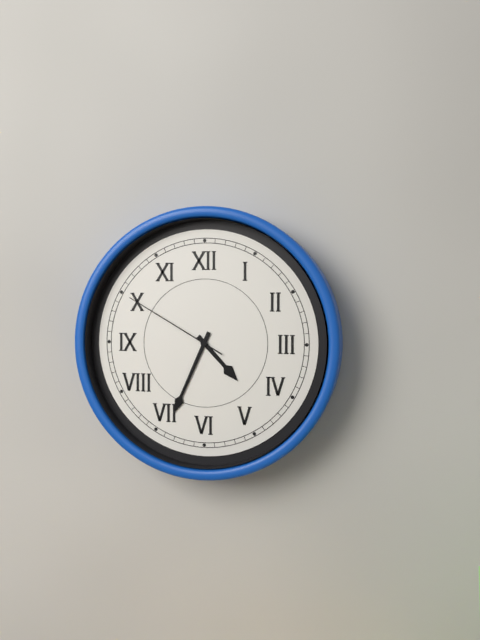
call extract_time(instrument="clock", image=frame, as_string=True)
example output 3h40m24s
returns 4h34m50s
